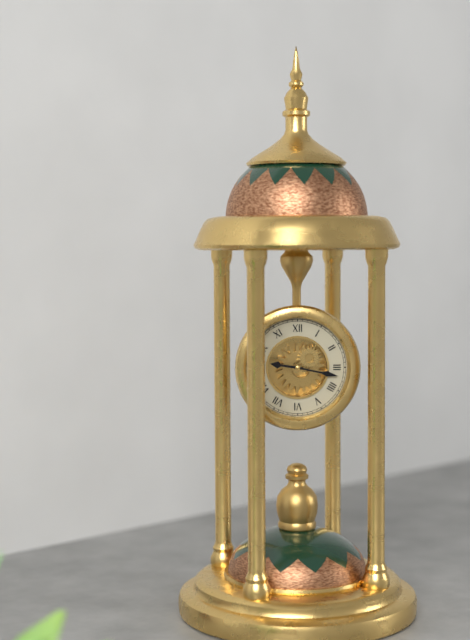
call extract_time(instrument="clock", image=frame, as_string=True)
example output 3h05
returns 9h17
